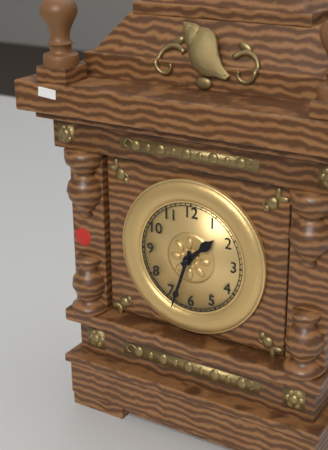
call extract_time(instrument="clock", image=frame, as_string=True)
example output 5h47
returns 1h33
